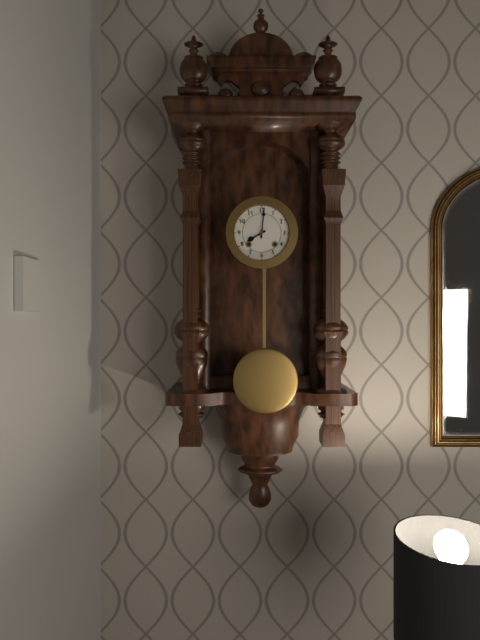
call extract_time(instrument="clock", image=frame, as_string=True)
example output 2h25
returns 8h01
